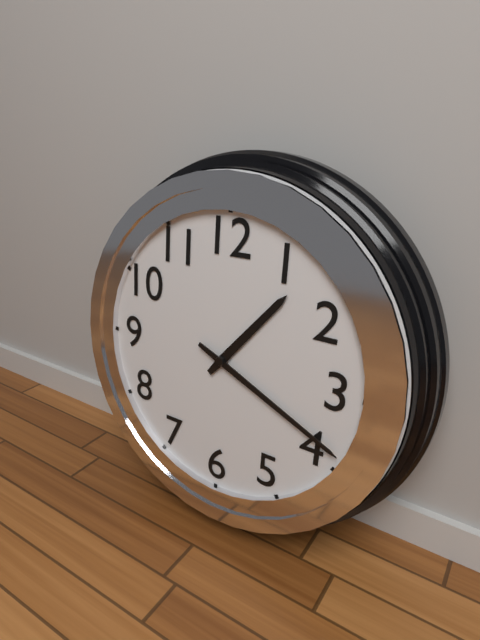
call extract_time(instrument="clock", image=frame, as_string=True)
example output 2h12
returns 1h19
